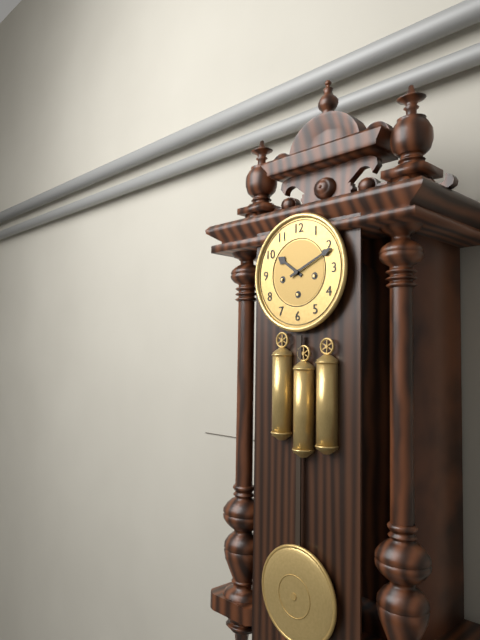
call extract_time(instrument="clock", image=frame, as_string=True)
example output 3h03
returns 10h11
